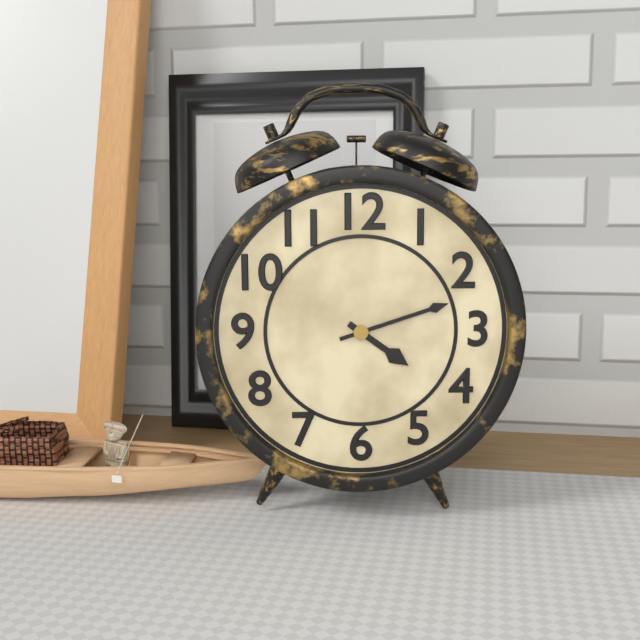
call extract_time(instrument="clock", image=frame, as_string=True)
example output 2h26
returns 4h12
